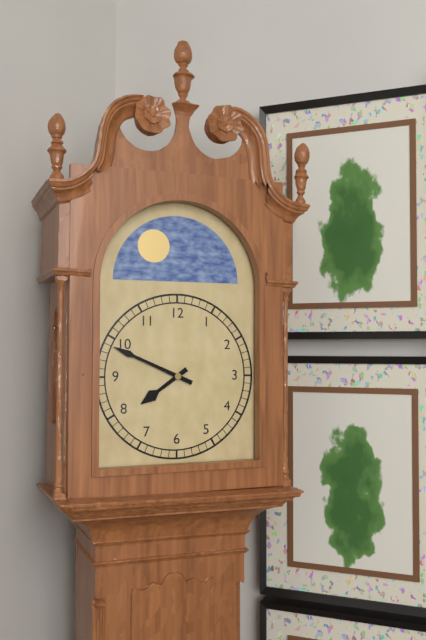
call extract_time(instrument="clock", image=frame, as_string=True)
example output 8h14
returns 7h49
